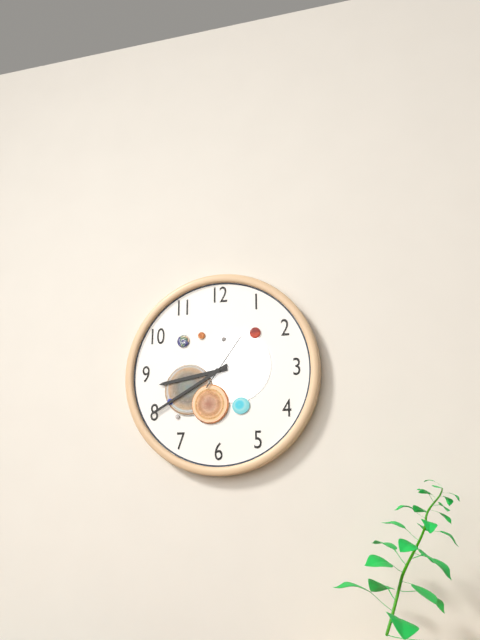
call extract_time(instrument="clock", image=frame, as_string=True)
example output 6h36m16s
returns 8h40m06s
